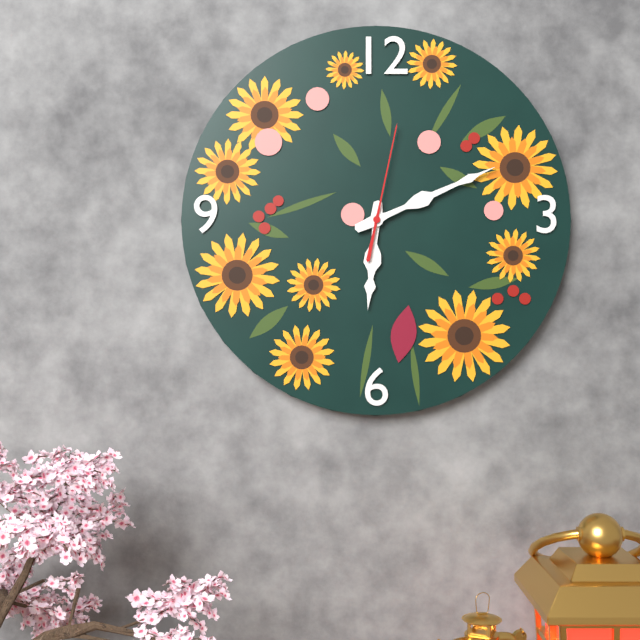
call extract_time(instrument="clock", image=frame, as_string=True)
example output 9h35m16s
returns 6h11m02s
